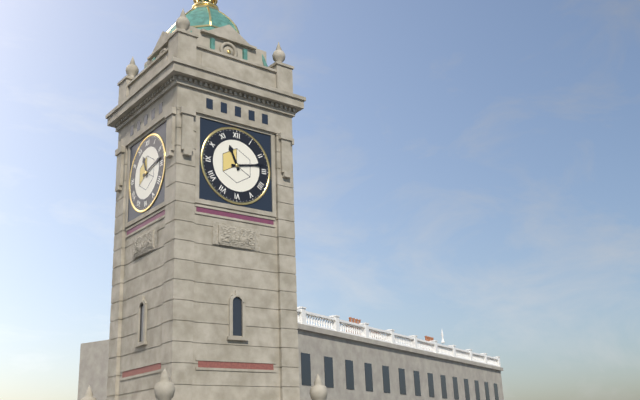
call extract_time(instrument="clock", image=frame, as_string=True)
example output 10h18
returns 11h13
